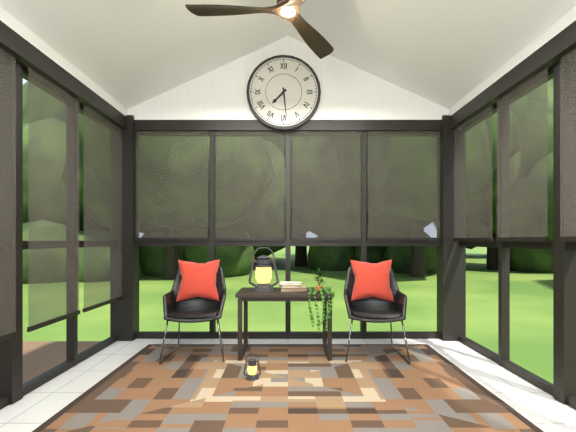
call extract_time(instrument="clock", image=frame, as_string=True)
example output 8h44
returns 7h29
